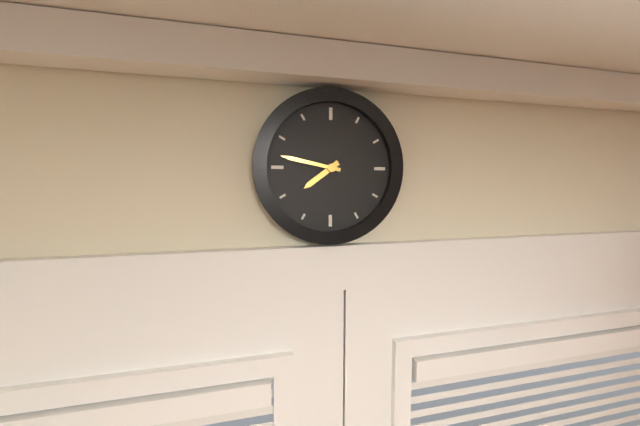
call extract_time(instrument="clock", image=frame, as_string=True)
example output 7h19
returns 7h47
